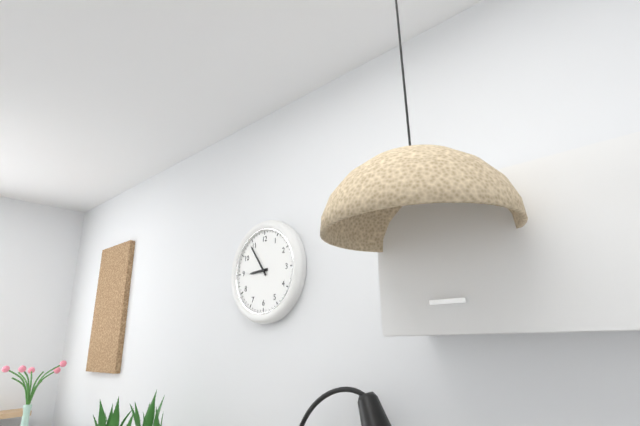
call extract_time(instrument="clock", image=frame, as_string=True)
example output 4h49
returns 8h54
